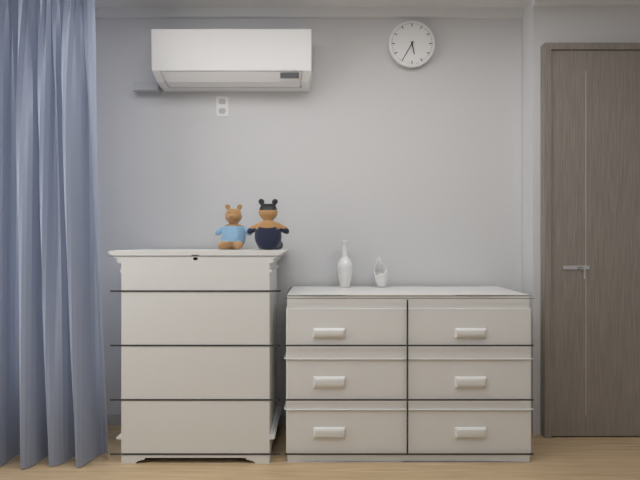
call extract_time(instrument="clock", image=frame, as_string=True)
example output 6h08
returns 5h35
